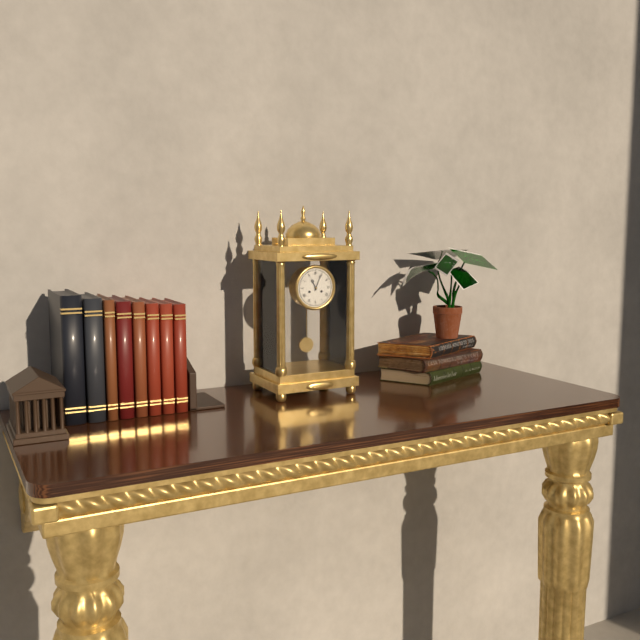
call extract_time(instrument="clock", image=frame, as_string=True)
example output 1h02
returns 11h04
